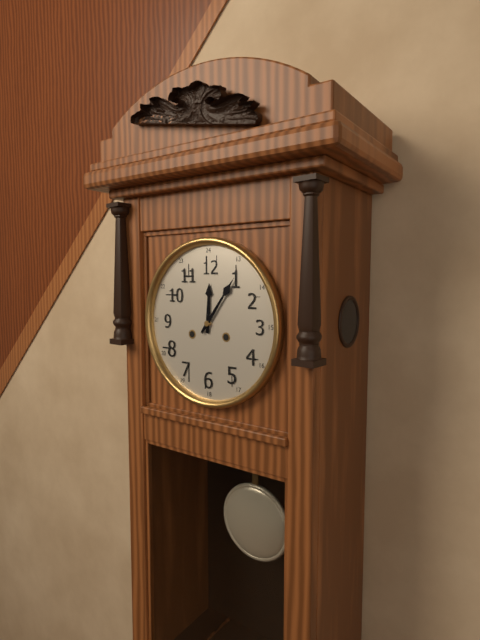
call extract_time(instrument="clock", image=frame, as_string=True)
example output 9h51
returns 12h06
